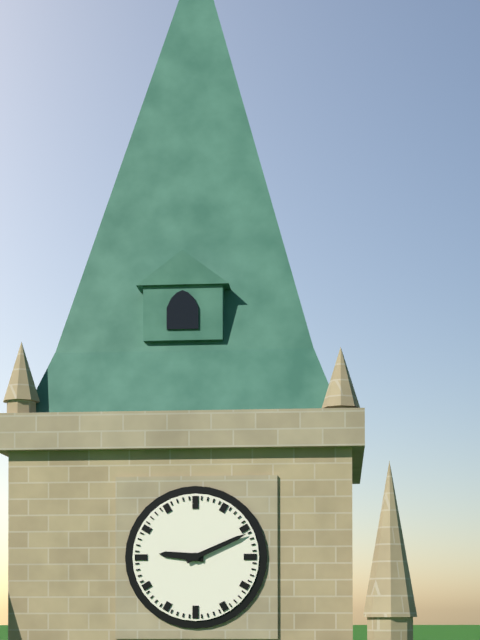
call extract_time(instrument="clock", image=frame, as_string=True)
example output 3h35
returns 9h11
